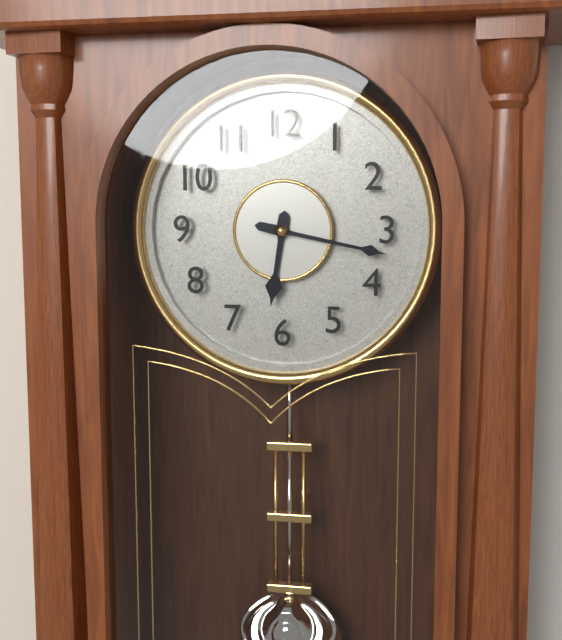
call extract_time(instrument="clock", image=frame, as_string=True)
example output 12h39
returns 6h17
